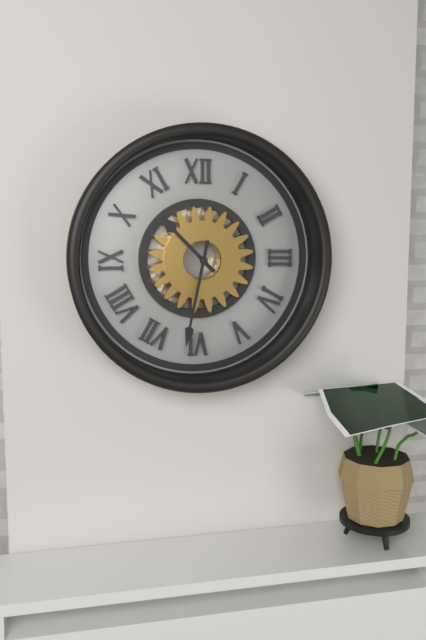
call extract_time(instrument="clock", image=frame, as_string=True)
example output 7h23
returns 10h32
